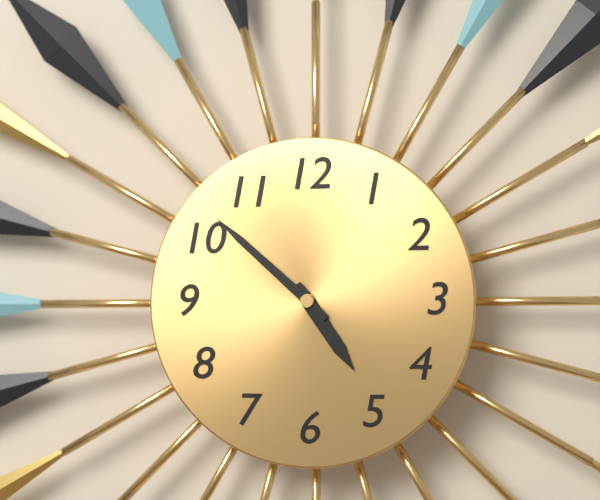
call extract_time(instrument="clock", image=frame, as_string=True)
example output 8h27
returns 4h52
